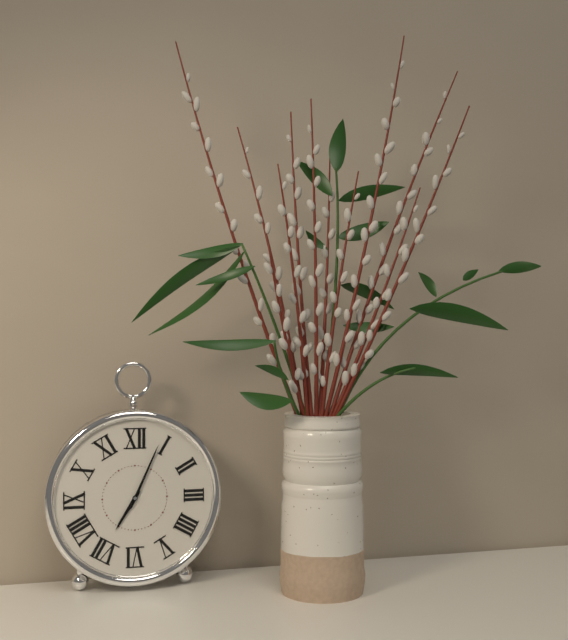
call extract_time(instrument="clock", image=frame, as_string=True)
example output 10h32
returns 7h04
